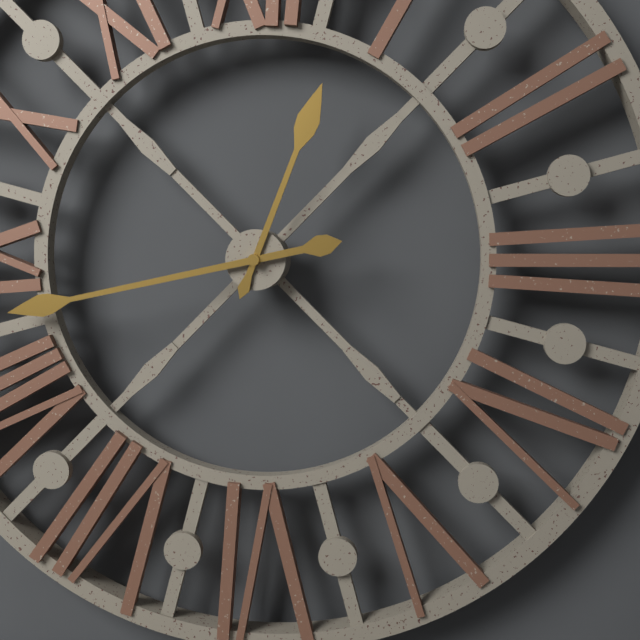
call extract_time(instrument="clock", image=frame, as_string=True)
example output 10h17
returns 12h43
